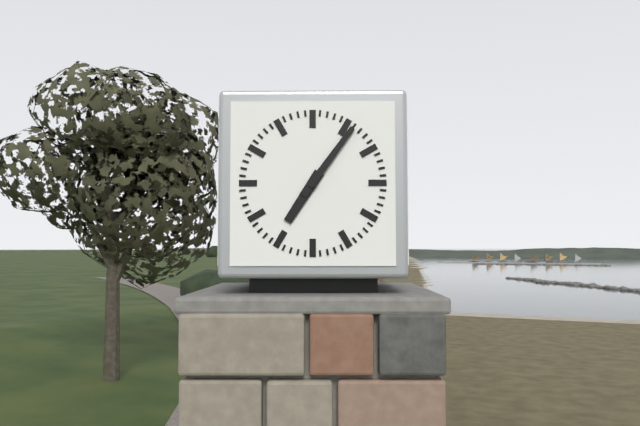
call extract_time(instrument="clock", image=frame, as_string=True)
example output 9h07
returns 7h06
